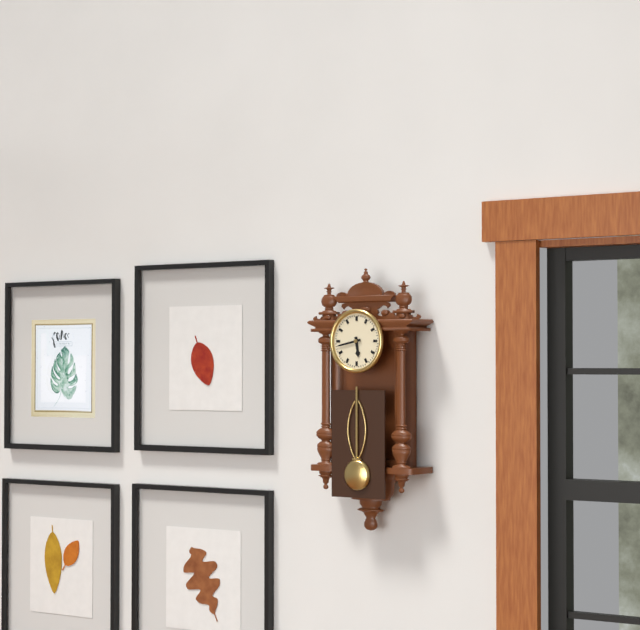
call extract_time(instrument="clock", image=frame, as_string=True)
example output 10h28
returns 5h43
